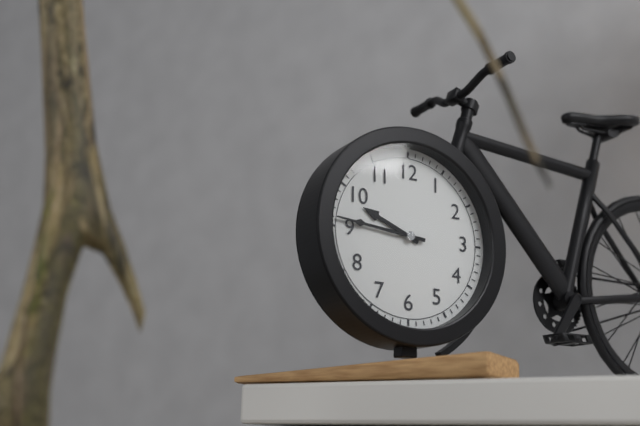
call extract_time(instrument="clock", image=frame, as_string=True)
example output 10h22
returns 9h46
